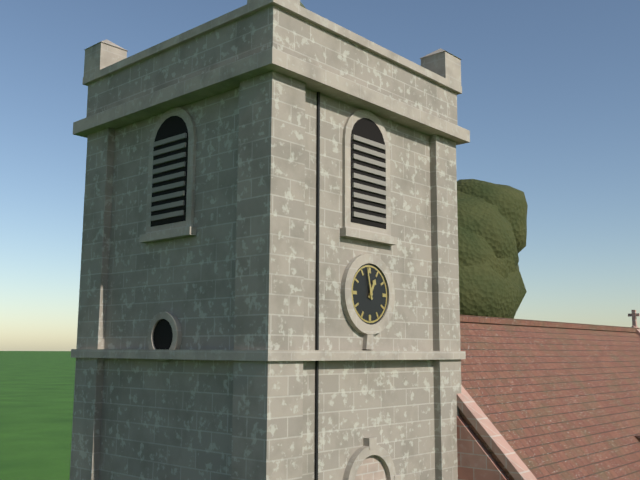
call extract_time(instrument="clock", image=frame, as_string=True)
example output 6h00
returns 12h58
